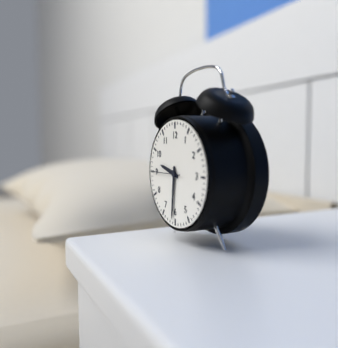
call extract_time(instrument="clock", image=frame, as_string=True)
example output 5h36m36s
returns 9h31m45s
